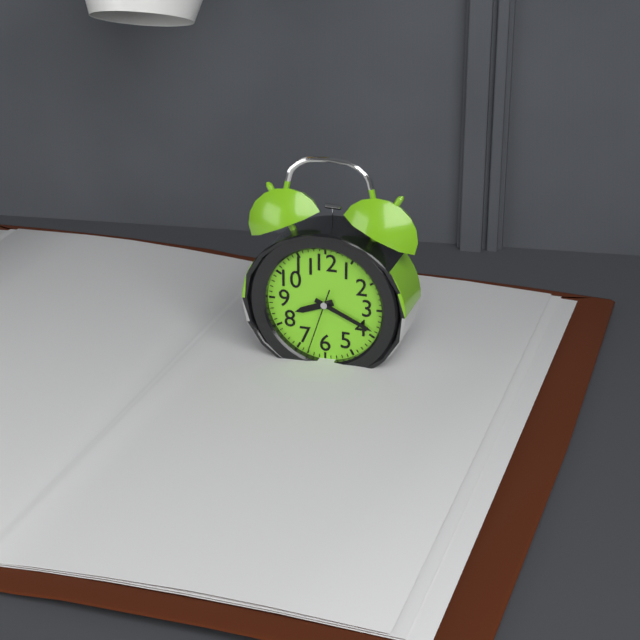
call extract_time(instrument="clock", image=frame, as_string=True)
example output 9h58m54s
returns 8h19m33s
